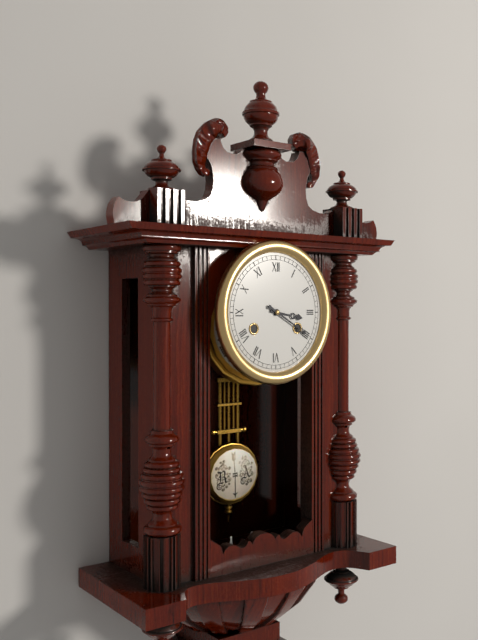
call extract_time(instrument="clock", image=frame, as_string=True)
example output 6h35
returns 3h20
